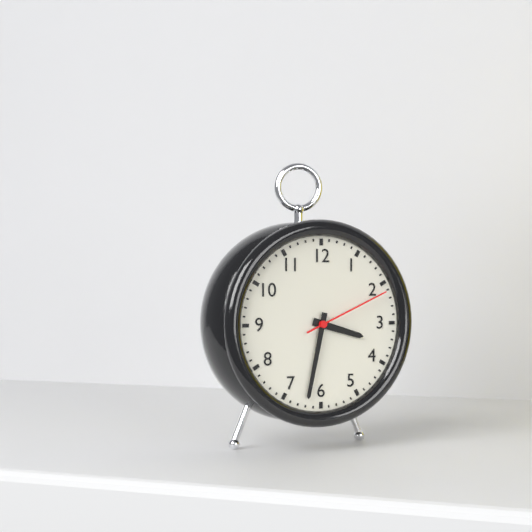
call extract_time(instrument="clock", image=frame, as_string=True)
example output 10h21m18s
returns 3h32m11s
